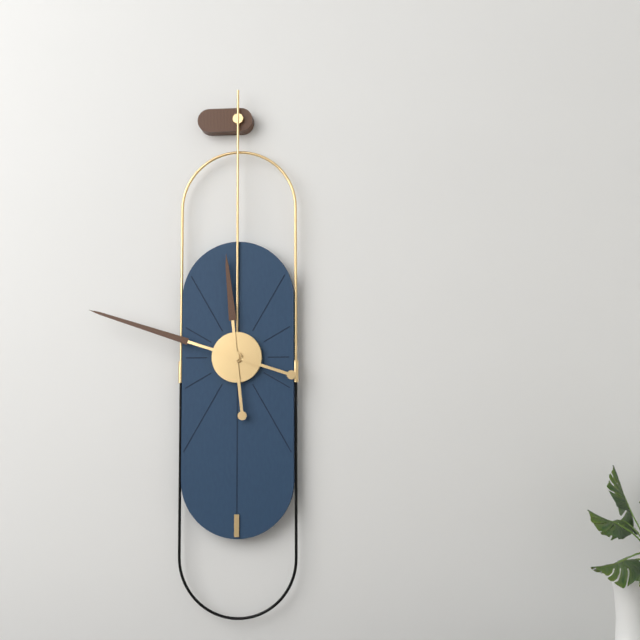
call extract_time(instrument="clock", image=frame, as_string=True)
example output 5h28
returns 11h48
